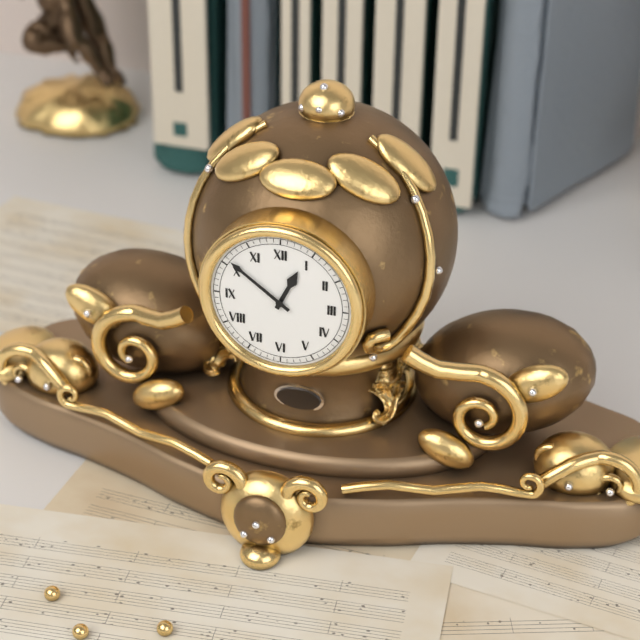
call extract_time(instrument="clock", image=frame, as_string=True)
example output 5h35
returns 12h51
